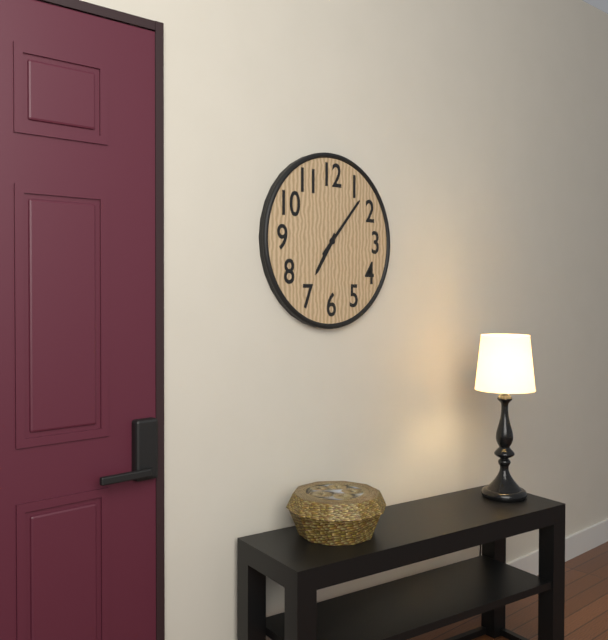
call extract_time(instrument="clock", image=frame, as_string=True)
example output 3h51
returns 7h07
